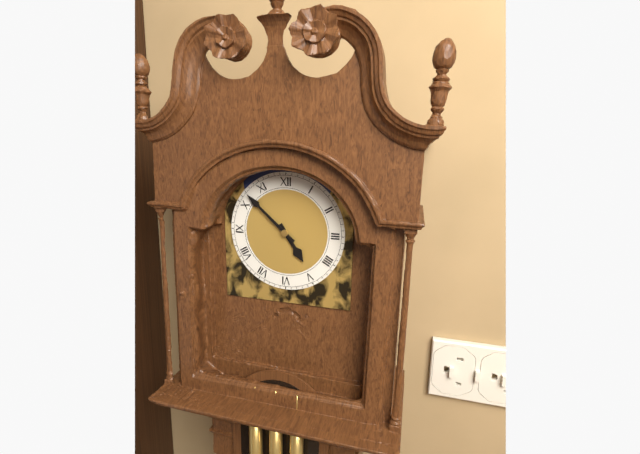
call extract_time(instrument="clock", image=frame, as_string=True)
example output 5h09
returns 4h52
